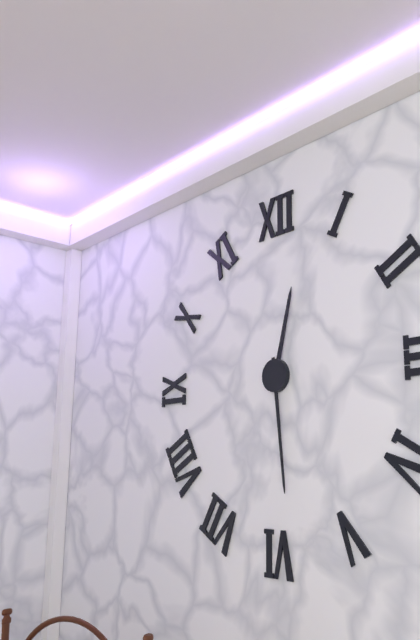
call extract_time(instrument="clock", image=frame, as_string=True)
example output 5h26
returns 12h29
